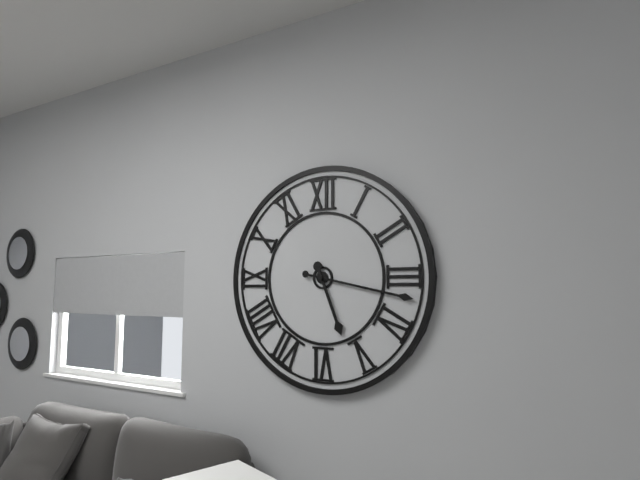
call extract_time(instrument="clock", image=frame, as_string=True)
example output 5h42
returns 5h17
